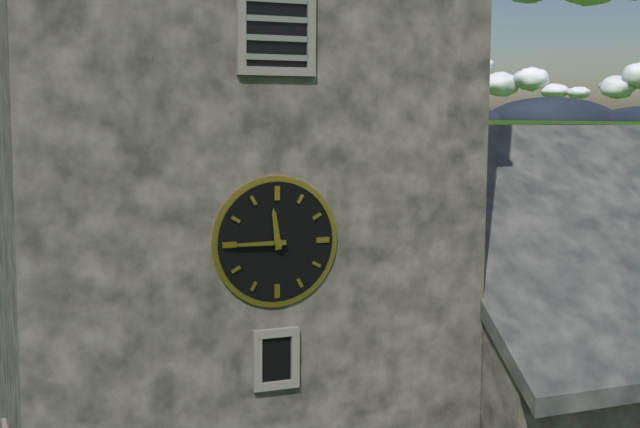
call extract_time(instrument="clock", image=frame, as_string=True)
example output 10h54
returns 11h45
